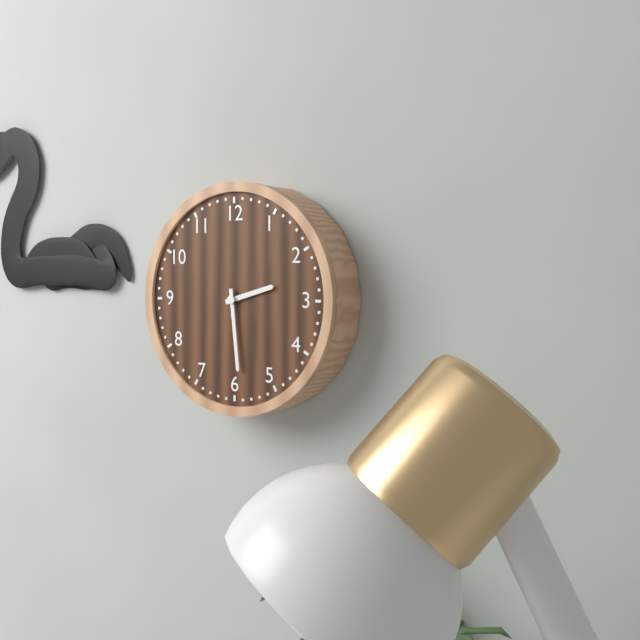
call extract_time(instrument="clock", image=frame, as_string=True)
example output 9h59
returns 2h29
